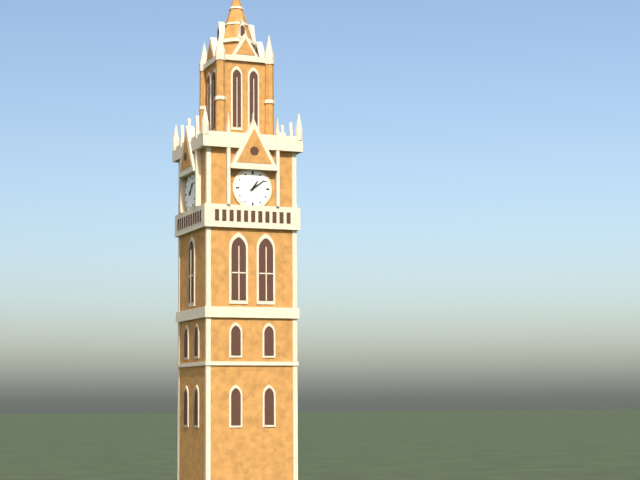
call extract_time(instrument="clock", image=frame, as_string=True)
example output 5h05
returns 1h09
